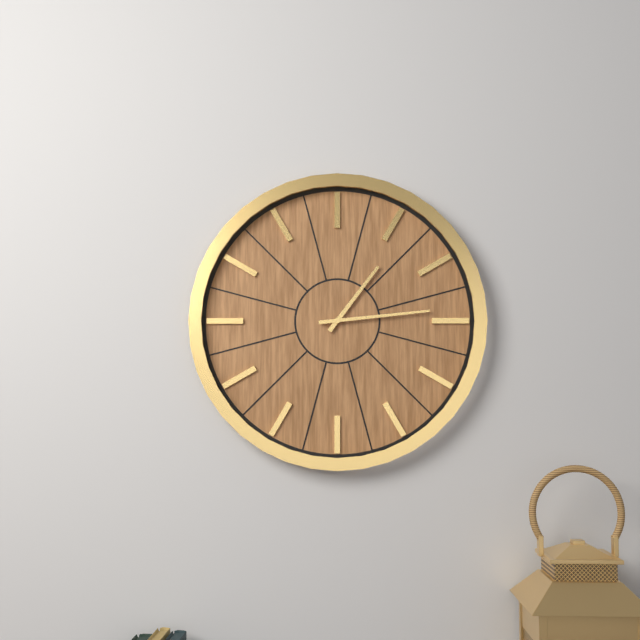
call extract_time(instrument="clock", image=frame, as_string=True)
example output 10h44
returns 1h14
